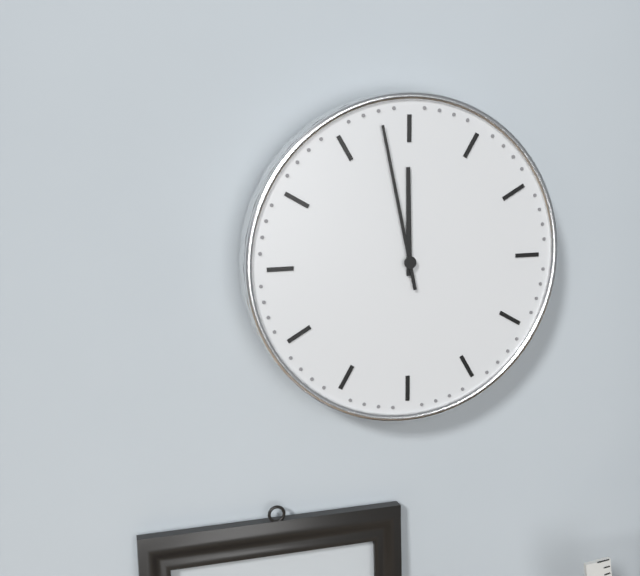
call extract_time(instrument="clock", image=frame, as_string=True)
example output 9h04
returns 11h58
